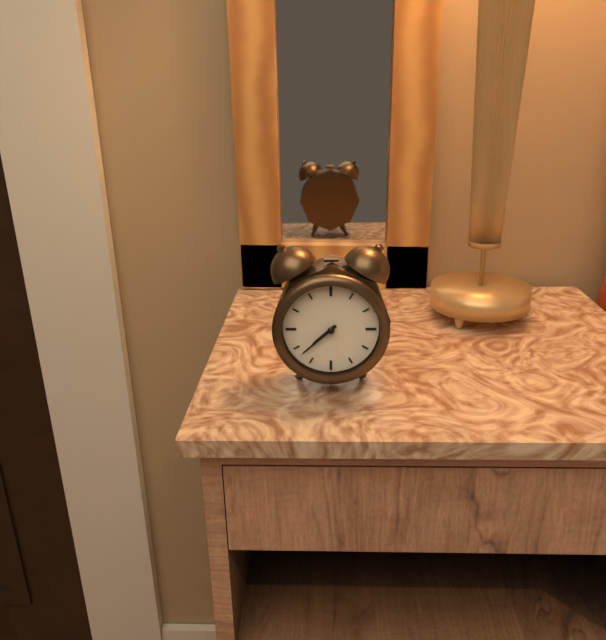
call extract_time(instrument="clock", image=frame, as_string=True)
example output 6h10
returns 7h38
